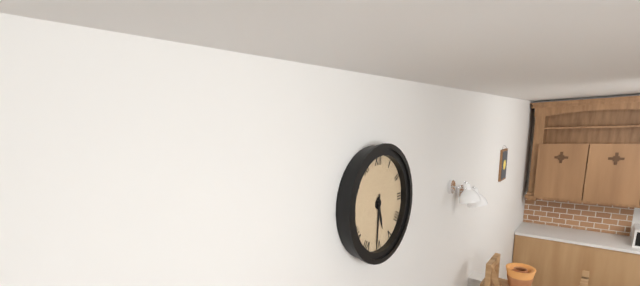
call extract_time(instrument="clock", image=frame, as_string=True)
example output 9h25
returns 5h31
